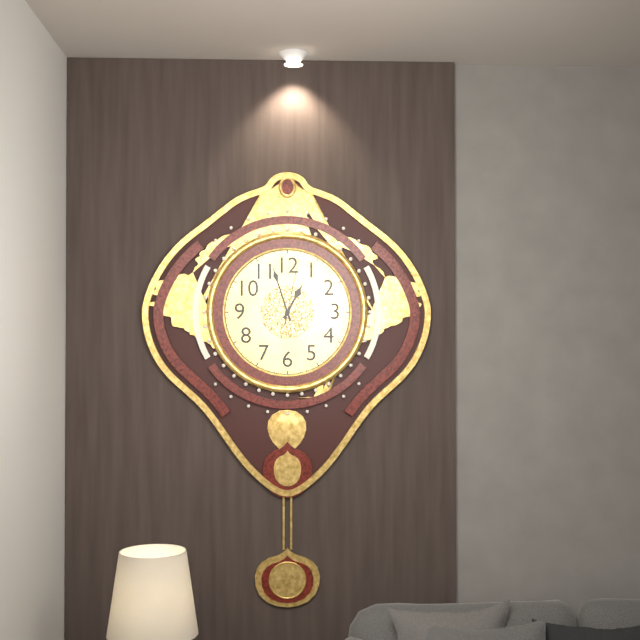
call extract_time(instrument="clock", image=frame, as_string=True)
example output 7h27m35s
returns 12h57m02s
